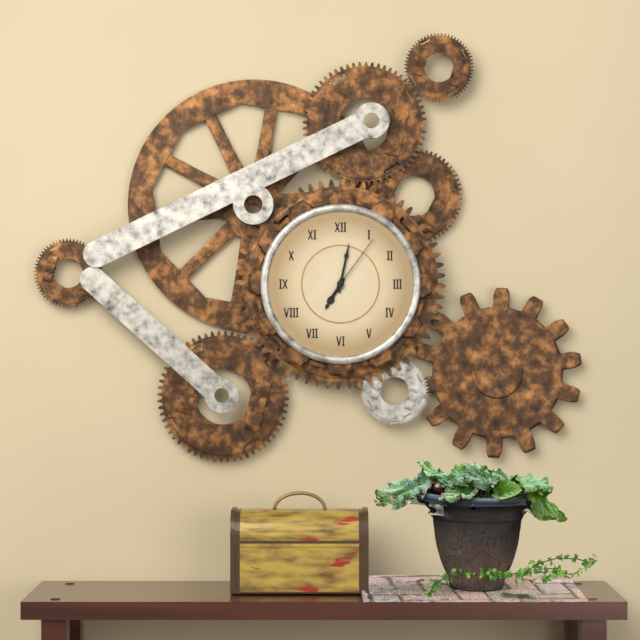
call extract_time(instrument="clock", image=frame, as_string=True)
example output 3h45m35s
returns 7h02m06s
